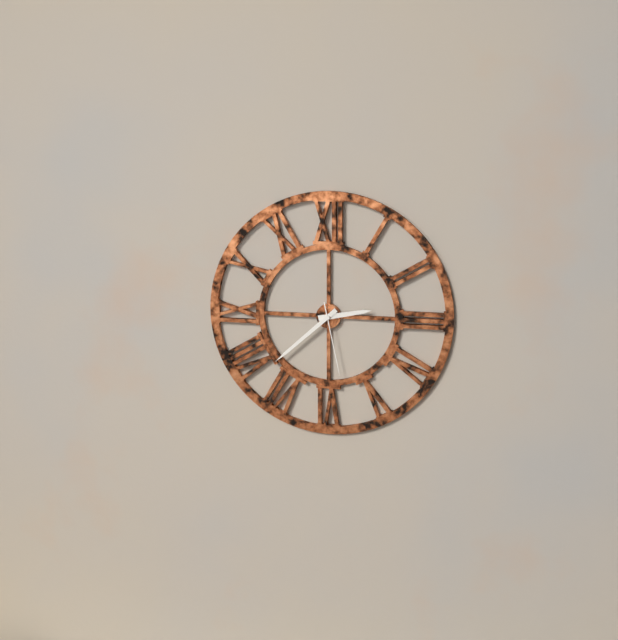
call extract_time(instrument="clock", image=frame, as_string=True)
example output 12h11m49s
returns 2h38m28s
